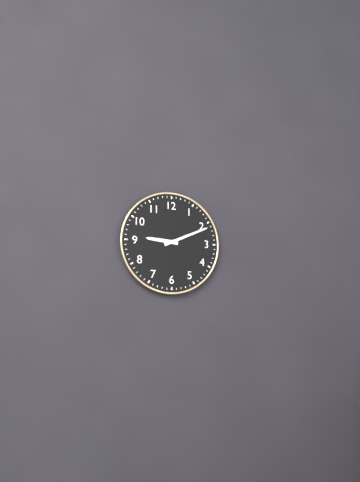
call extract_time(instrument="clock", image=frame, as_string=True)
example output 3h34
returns 9h11
